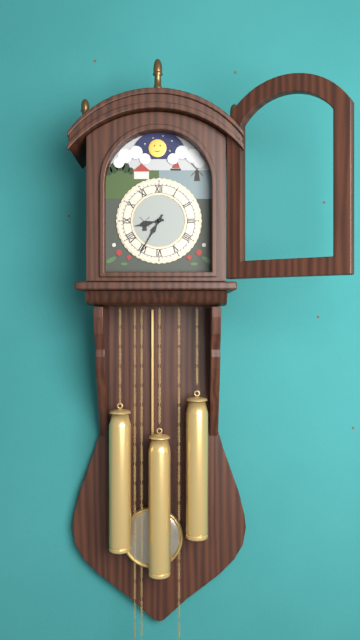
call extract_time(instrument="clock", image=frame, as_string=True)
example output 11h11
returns 8h35
